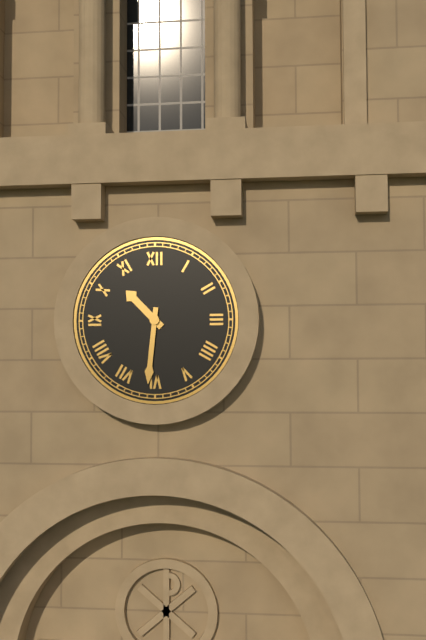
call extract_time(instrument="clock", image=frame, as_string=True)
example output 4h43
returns 10h31
